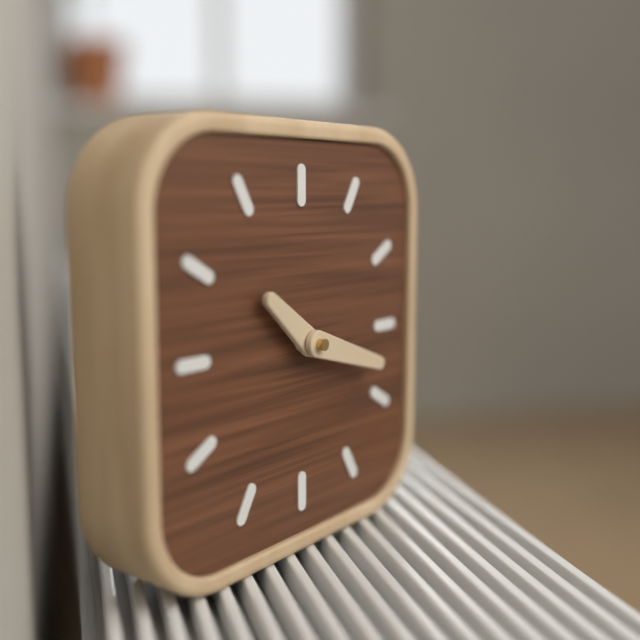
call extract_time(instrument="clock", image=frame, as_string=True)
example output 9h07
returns 10h18
